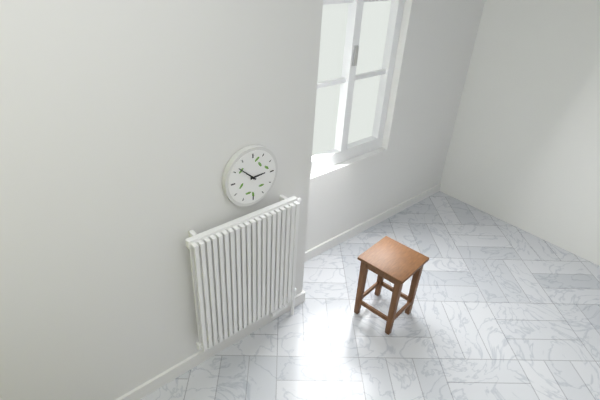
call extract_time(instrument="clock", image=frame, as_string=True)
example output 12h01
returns 2h52
